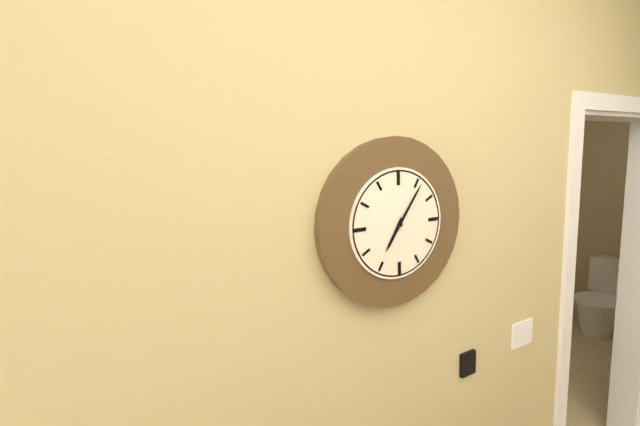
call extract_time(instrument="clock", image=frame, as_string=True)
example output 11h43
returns 7h06
